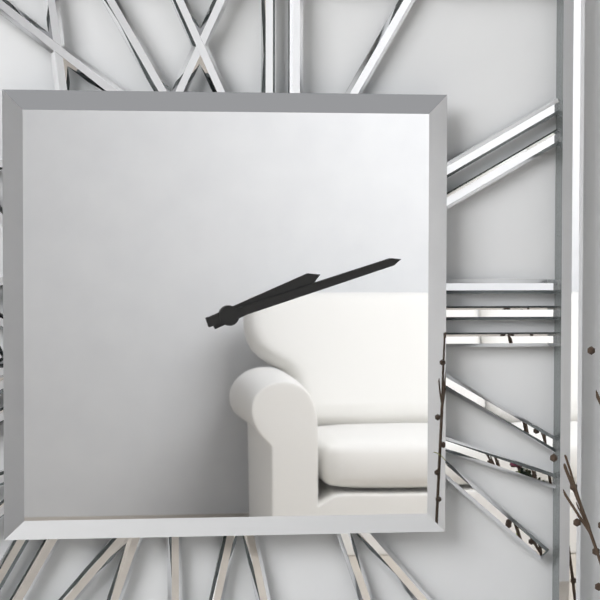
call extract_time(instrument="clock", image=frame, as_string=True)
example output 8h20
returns 2h12
